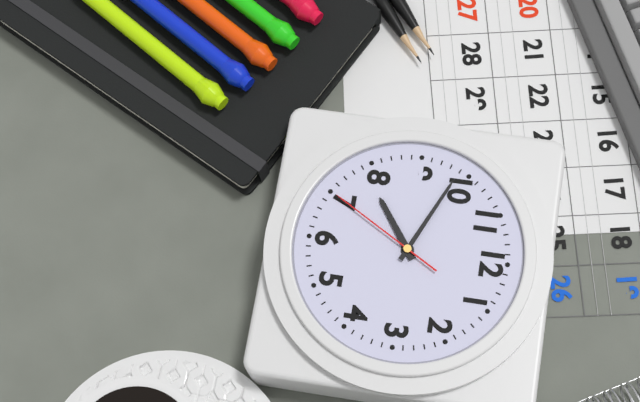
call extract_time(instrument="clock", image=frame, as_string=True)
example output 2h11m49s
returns 7h49m35s
